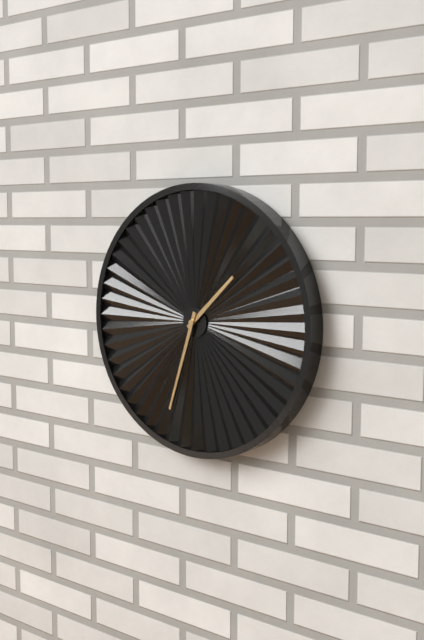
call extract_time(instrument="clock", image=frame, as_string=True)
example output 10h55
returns 1h33
